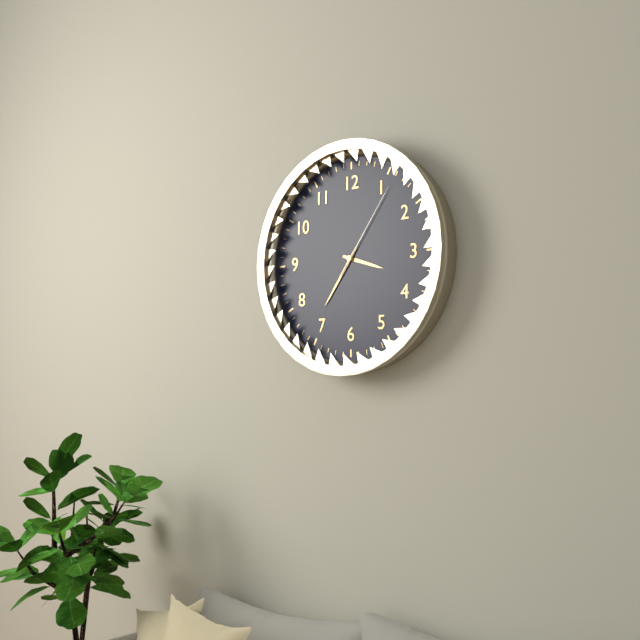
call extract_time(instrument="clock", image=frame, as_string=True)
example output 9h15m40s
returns 3h36m06s
